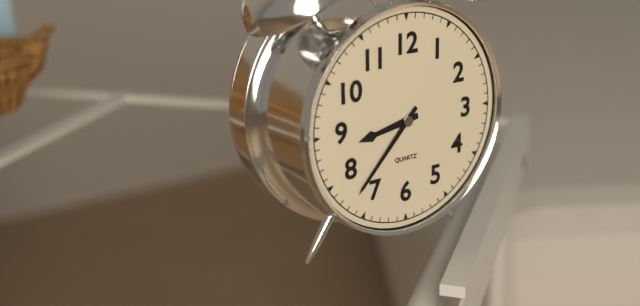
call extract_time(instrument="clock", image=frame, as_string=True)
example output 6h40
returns 8h37
